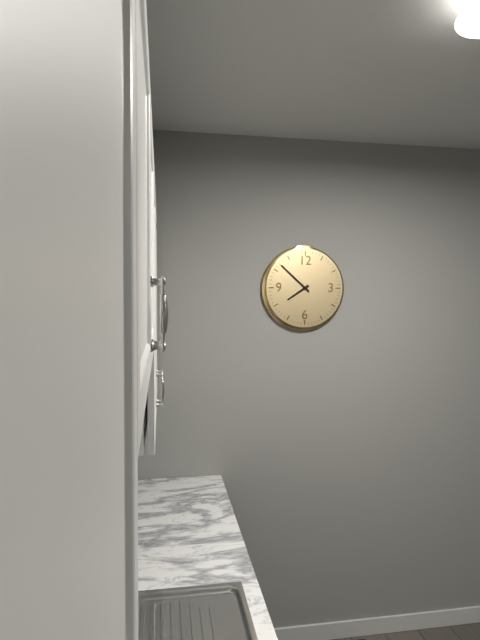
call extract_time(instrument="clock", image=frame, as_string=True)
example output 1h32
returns 7h52
